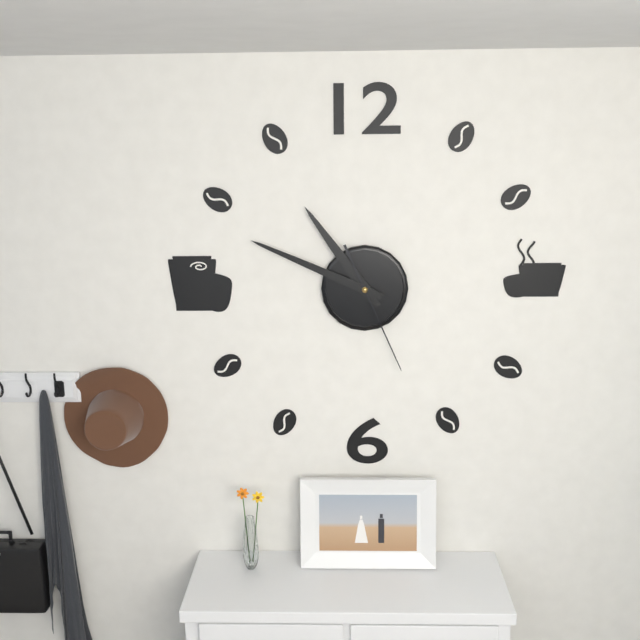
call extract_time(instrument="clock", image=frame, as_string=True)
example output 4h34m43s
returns 10h49m26s
